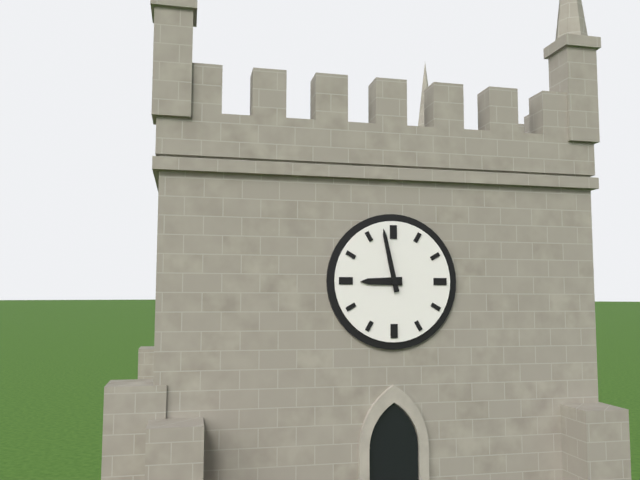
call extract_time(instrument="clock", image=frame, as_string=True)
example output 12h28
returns 8h58
